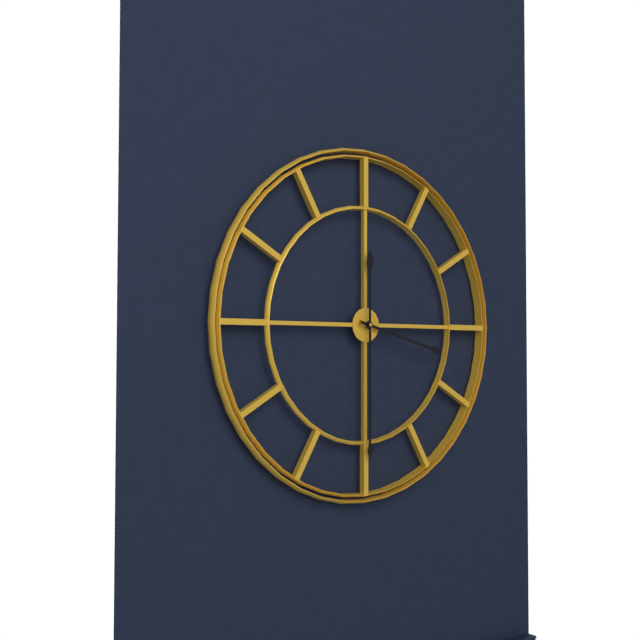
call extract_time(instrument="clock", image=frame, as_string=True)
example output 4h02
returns 3h30
